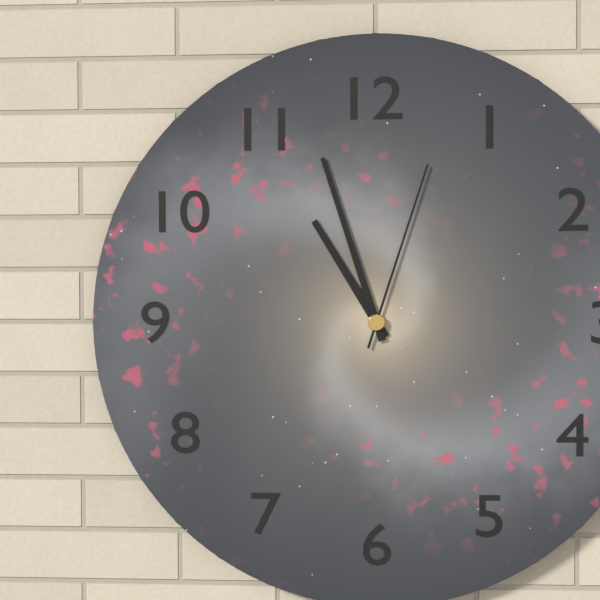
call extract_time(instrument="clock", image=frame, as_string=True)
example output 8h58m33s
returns 10h57m03s
